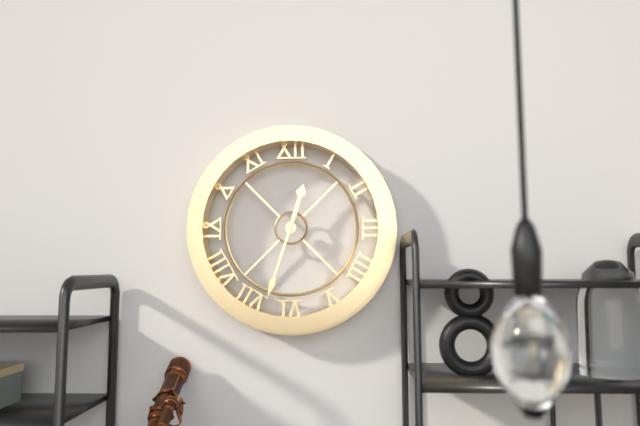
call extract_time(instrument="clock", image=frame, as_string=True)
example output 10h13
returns 12h33
